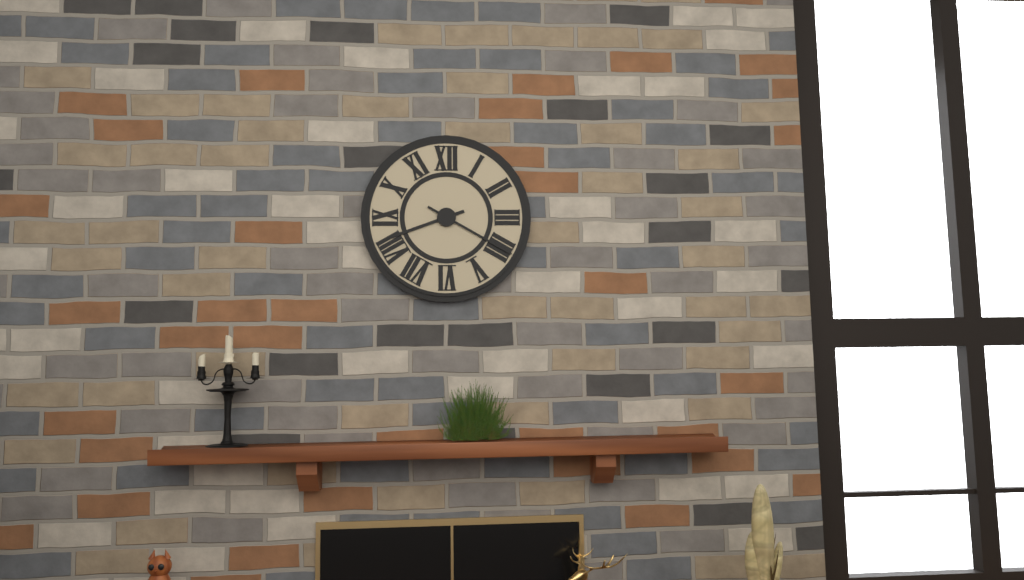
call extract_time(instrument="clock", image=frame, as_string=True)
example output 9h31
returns 8h20
